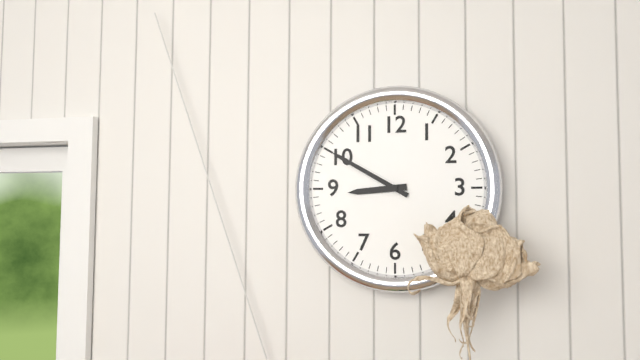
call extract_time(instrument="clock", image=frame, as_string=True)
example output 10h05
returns 8h50
